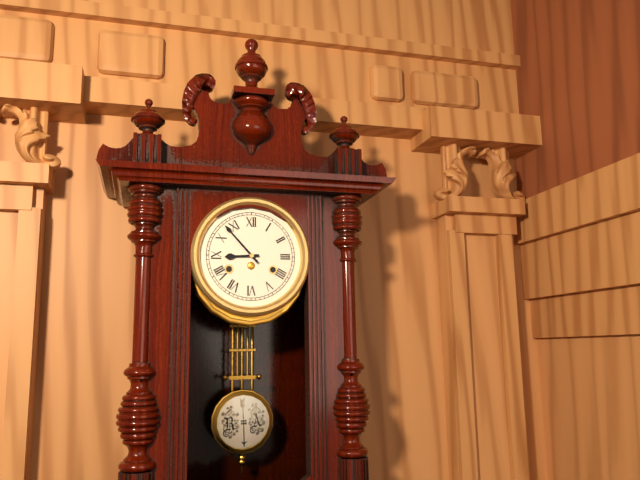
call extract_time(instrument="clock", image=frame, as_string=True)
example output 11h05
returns 8h53
